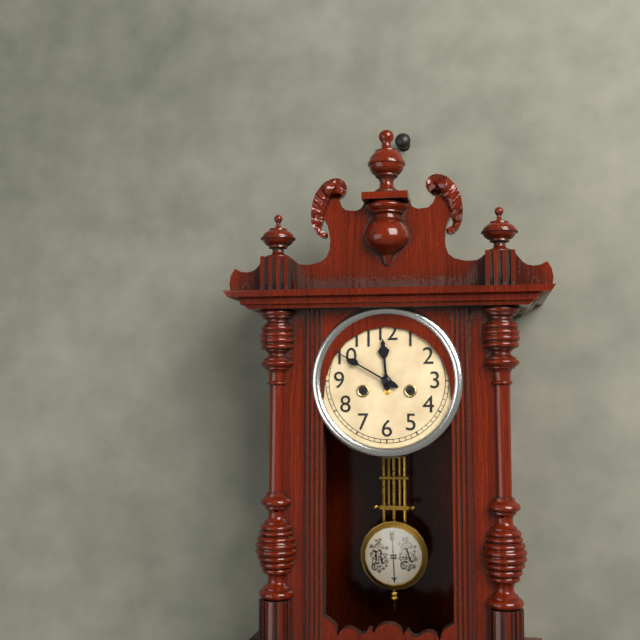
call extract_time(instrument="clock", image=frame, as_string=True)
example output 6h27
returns 11h50
